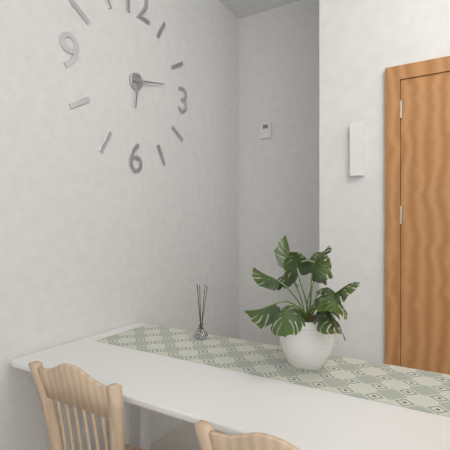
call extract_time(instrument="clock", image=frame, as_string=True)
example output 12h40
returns 6h13
